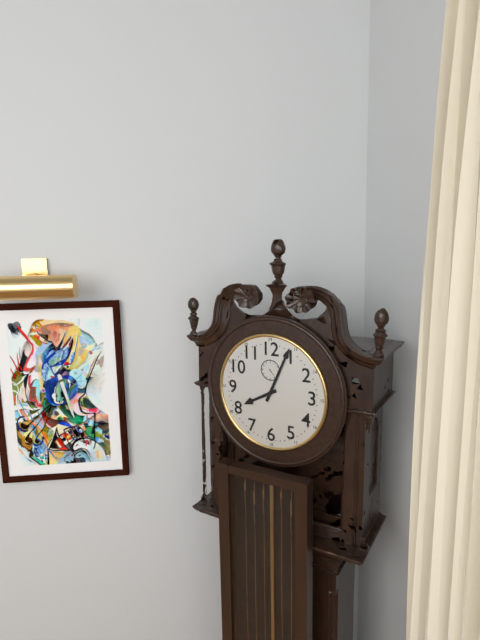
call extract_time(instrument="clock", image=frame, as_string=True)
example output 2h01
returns 8h04
